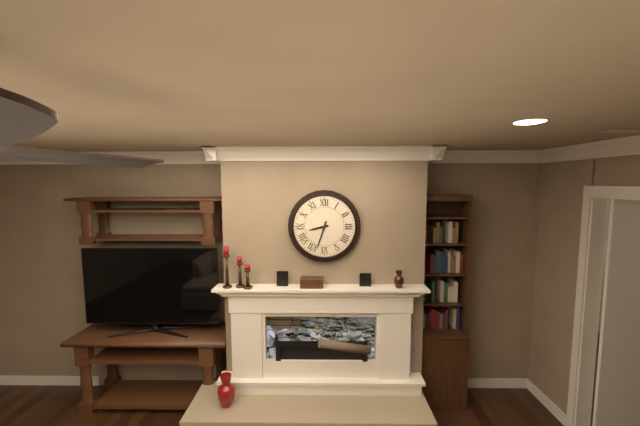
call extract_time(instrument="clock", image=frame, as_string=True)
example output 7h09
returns 8h33
